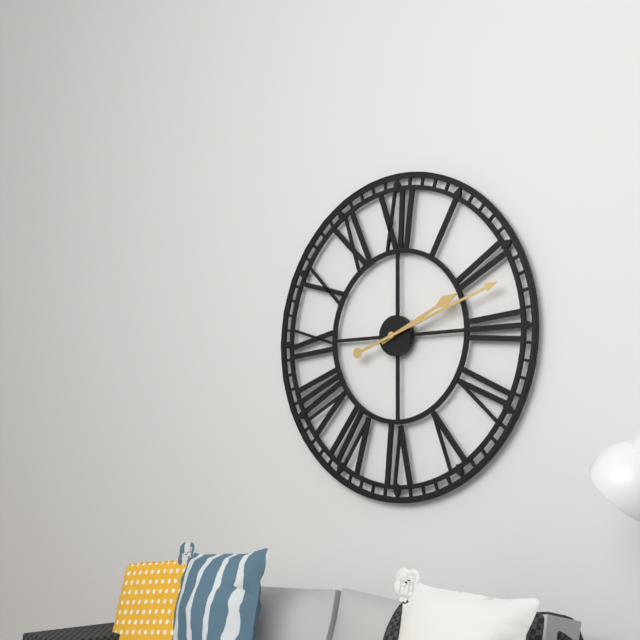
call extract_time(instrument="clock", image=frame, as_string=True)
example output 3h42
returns 2h12
